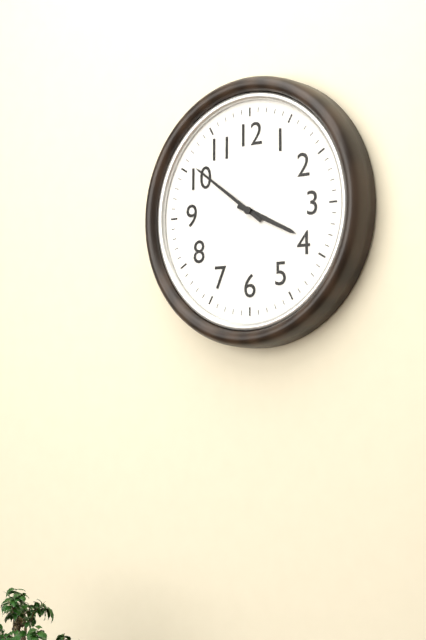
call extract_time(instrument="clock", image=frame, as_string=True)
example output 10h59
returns 3h51
